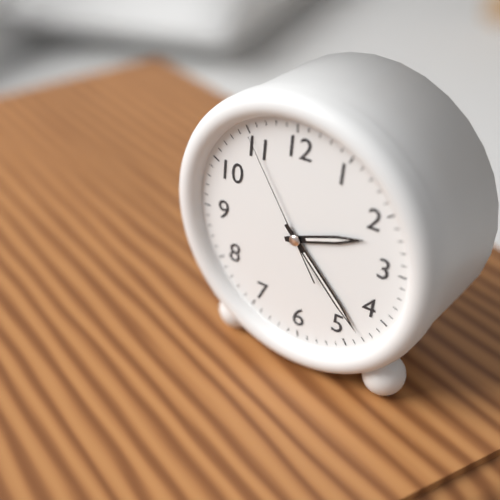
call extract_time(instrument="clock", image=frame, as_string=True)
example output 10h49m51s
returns 2h23m55s
